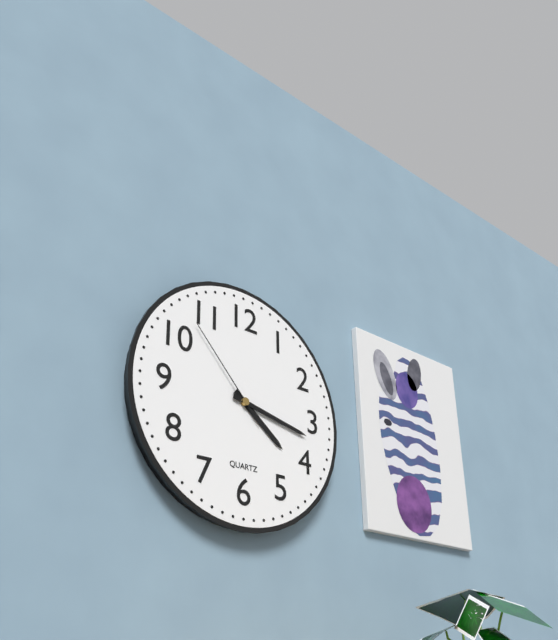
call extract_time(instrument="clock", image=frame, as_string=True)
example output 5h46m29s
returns 4h17m53s
